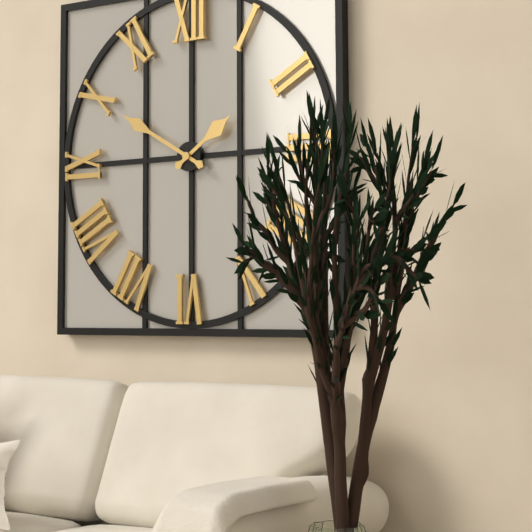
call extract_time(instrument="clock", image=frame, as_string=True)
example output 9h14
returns 1h50
